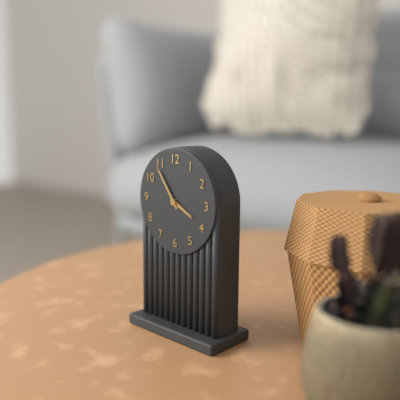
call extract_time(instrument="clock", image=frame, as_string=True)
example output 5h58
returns 3h54
